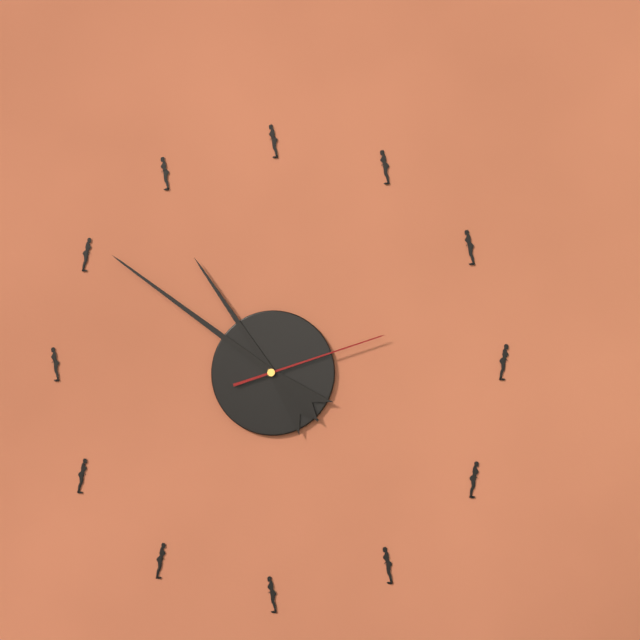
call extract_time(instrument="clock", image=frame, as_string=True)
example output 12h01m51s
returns 10h51m12s
